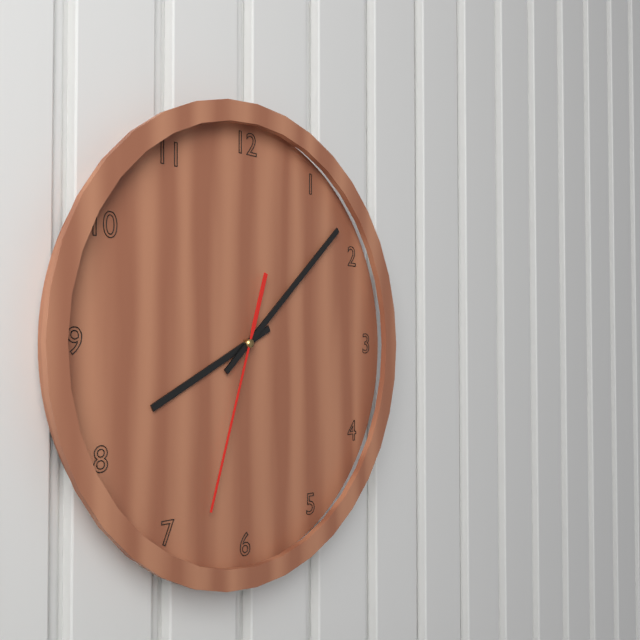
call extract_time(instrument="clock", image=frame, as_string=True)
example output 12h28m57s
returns 8h08m33s
